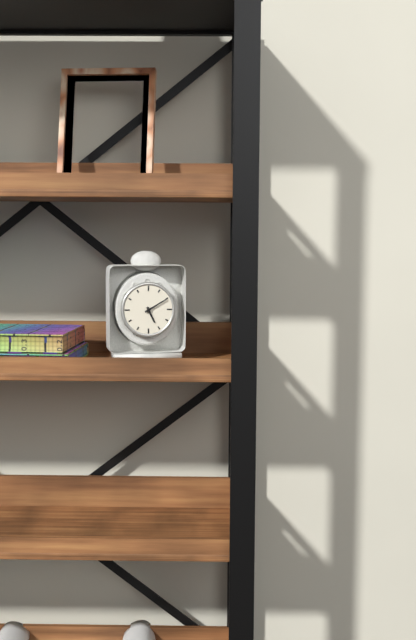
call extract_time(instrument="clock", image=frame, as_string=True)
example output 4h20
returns 5h10
